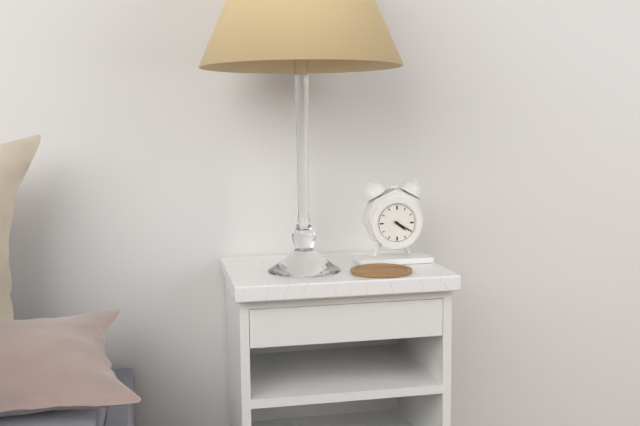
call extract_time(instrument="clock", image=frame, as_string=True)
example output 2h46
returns 4h20
